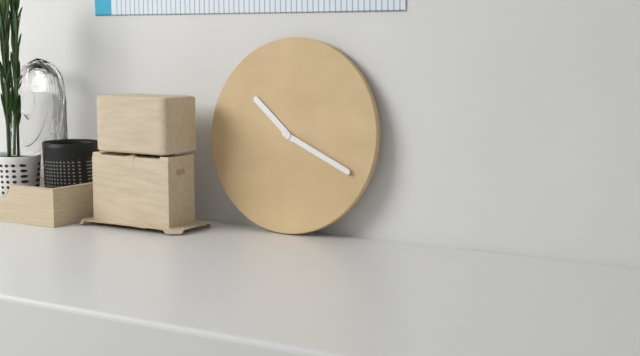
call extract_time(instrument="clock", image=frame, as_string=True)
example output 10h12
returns 10h19
